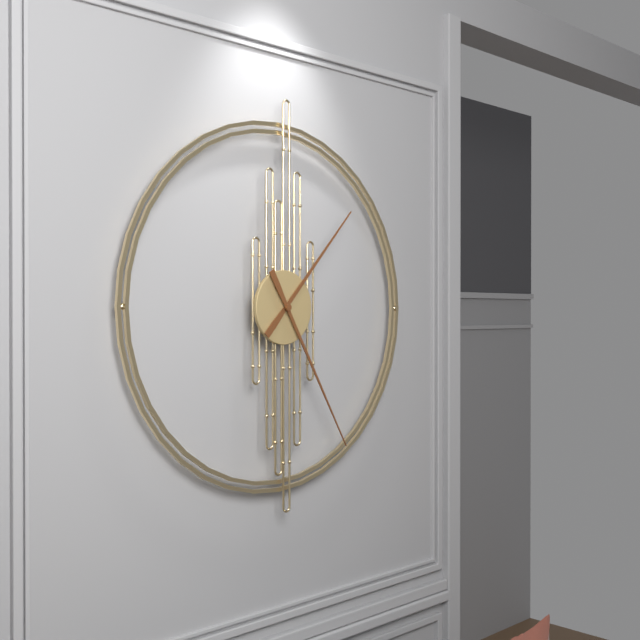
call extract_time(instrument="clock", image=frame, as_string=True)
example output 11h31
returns 1h25
